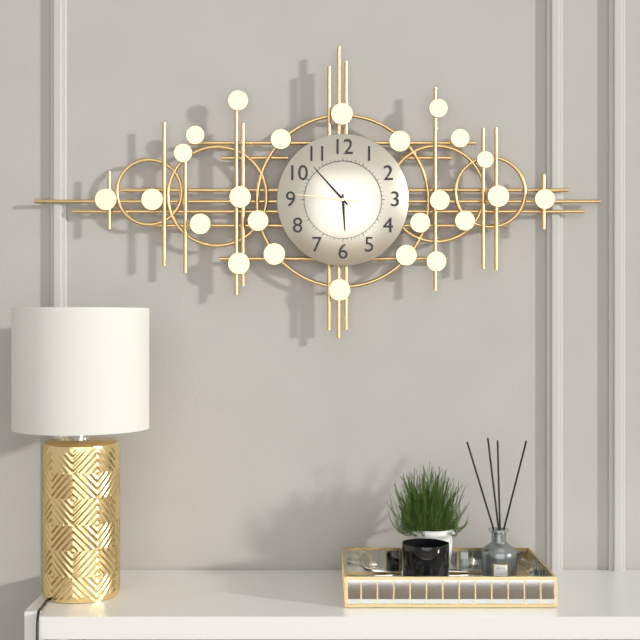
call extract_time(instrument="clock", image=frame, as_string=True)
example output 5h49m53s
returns 5h53m46s
